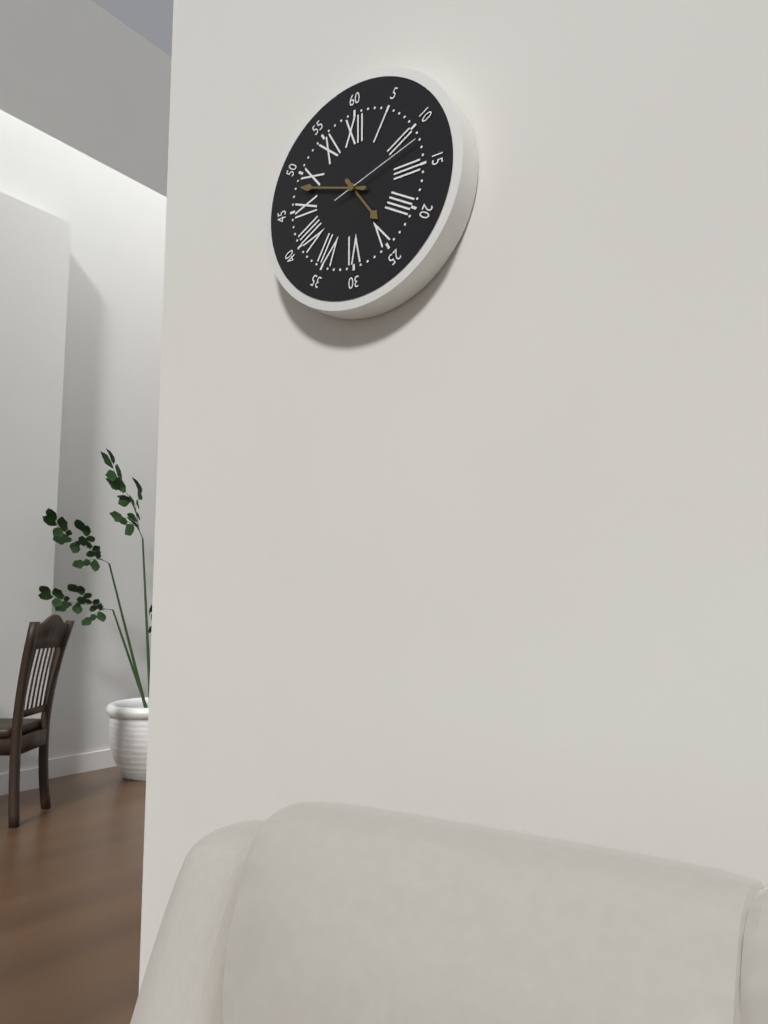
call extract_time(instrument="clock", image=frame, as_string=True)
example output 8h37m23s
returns 4h48m12s
